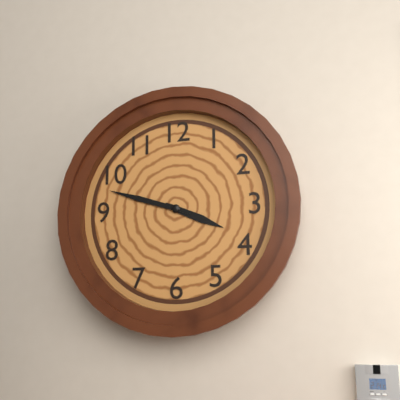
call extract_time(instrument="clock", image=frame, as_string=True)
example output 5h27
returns 3h48
